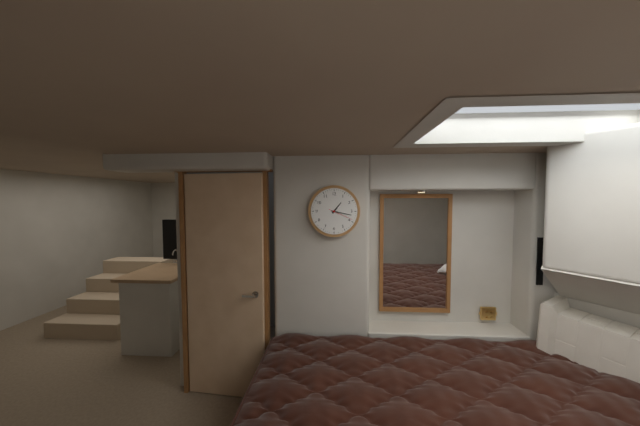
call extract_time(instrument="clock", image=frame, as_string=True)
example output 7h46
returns 1h17
